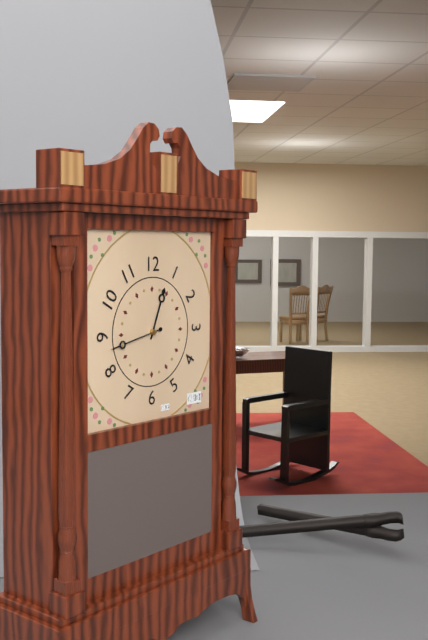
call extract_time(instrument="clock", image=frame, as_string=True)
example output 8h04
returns 12h43
